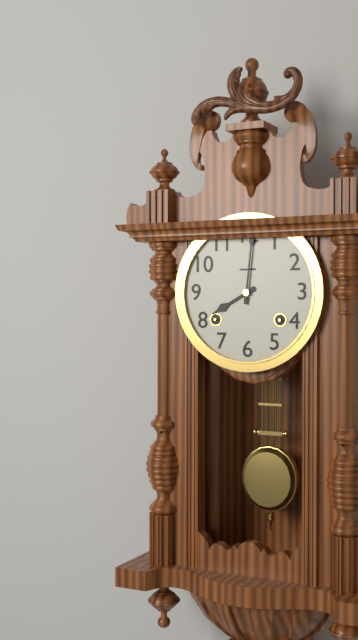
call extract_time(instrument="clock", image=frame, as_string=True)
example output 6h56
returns 8h01
